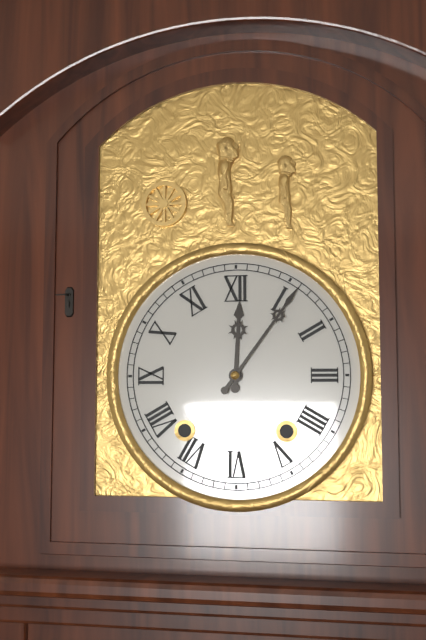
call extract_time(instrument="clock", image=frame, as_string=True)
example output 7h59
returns 12h06
